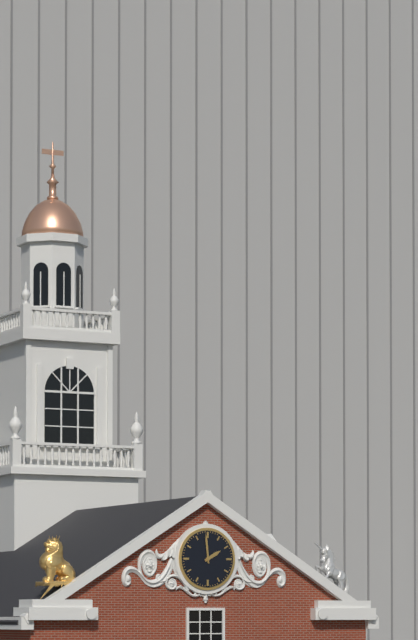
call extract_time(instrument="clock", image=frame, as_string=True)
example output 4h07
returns 1h59
